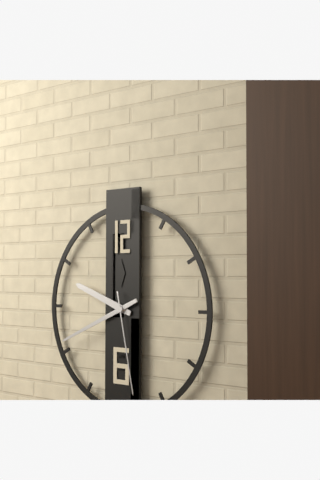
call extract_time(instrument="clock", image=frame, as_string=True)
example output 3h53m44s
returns 9h41m28s
